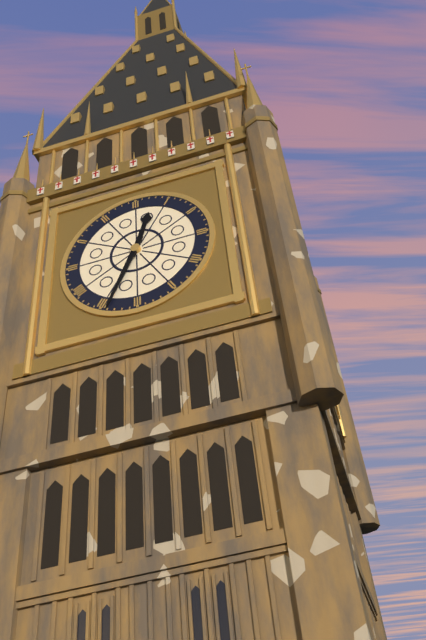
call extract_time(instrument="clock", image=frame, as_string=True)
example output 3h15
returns 12h34
